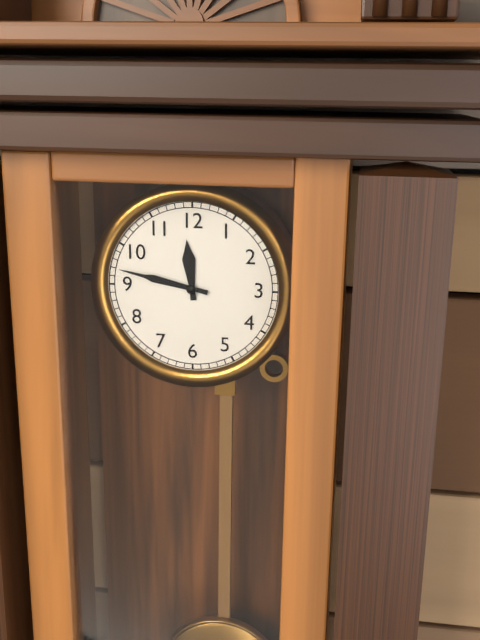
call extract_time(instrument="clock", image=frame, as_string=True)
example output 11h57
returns 11h47
